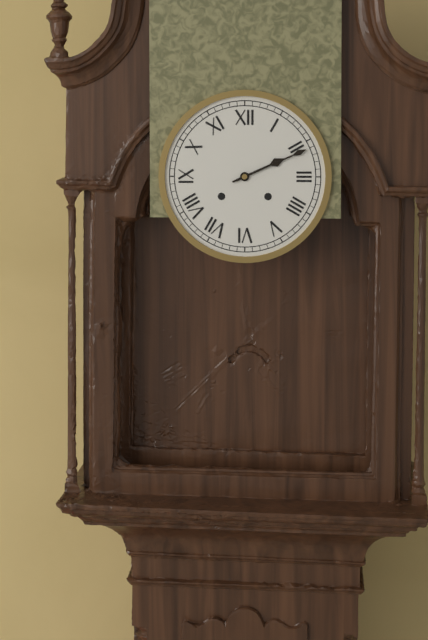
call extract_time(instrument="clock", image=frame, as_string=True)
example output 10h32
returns 2h11
